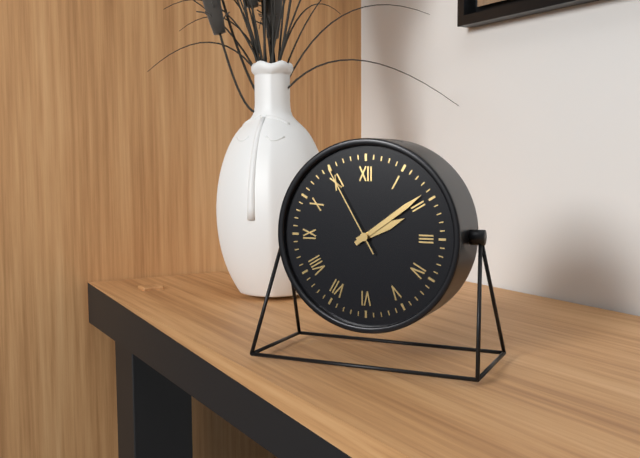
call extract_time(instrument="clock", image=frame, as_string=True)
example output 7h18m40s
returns 2h09m55s
